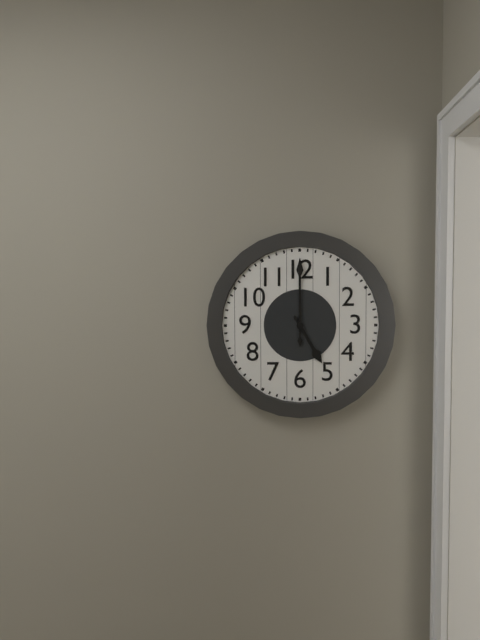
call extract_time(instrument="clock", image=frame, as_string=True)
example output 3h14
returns 5h00
